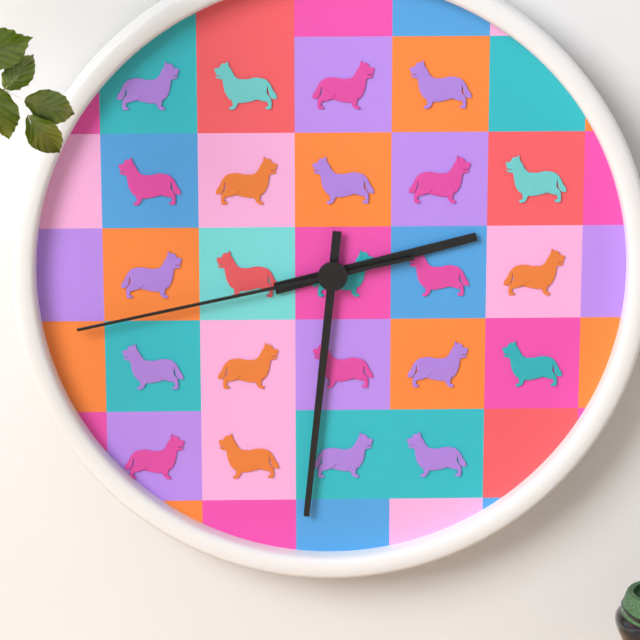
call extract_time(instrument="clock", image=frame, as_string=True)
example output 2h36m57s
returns 2h31m43s
